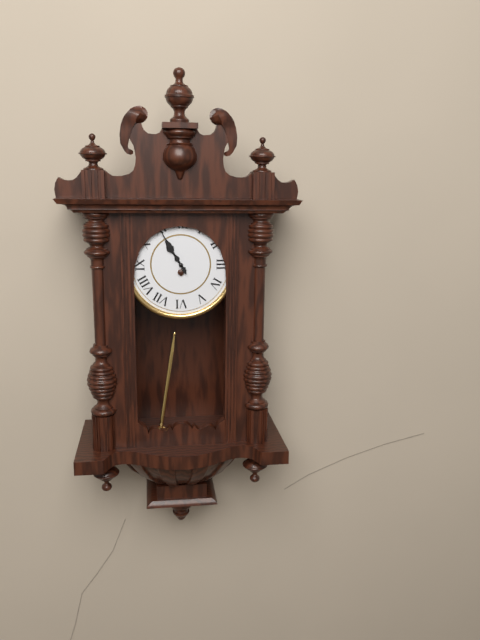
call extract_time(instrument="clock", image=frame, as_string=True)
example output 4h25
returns 10h55
